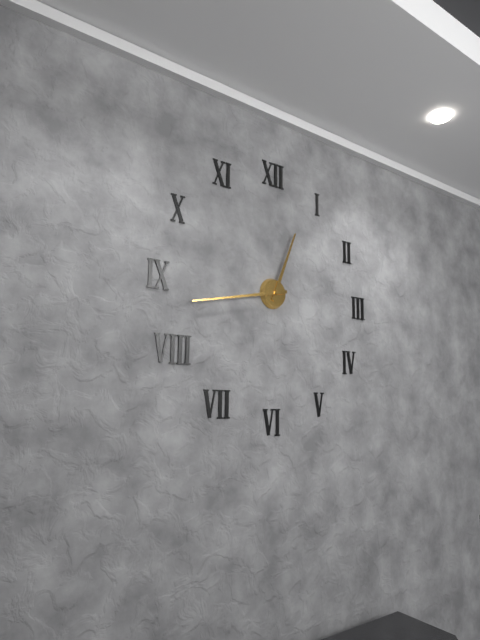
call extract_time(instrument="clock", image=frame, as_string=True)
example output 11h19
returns 12h43
